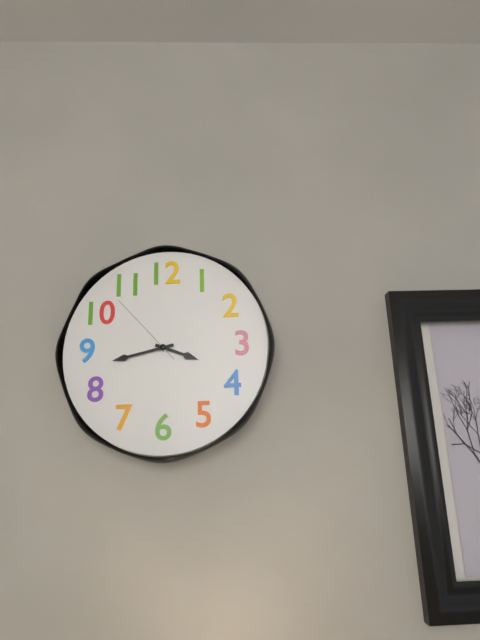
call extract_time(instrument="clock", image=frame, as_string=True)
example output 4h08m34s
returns 3h43m53s
